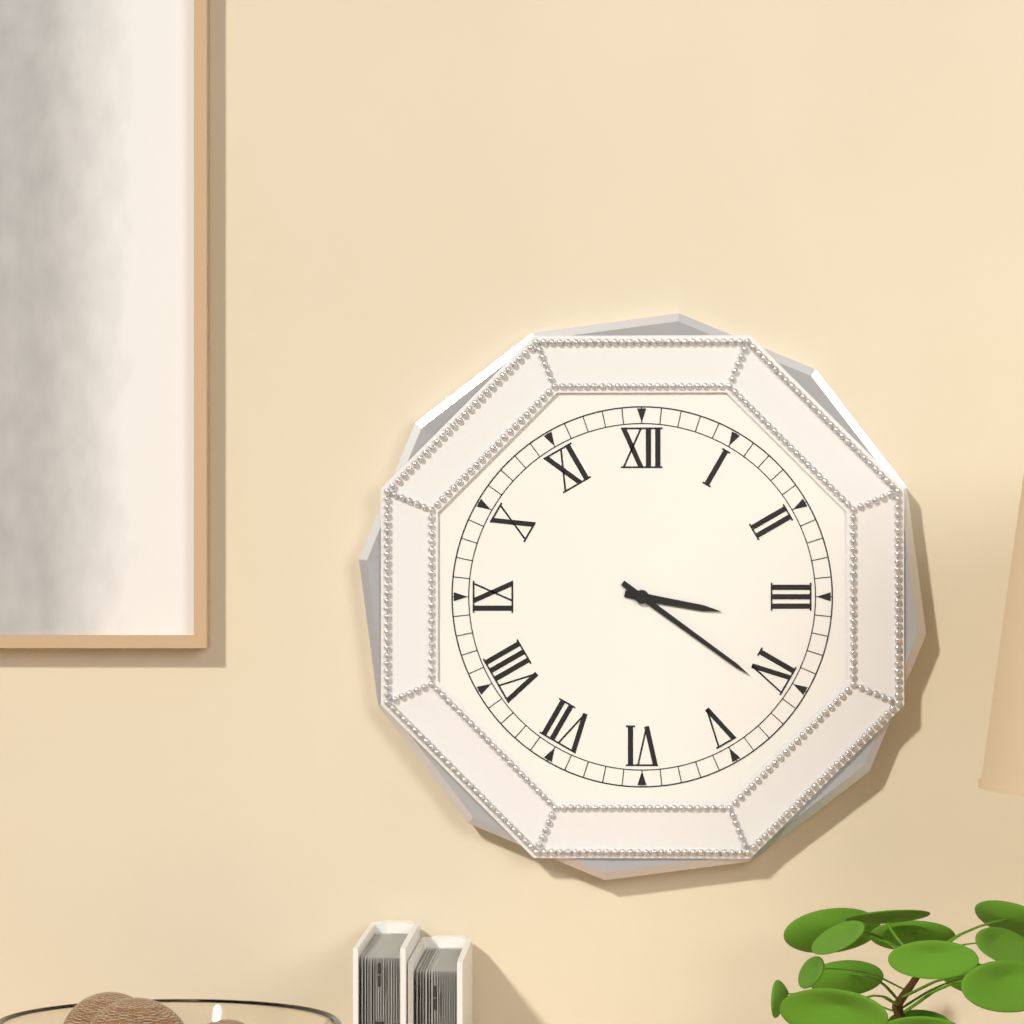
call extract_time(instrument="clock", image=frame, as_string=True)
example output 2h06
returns 3h21
